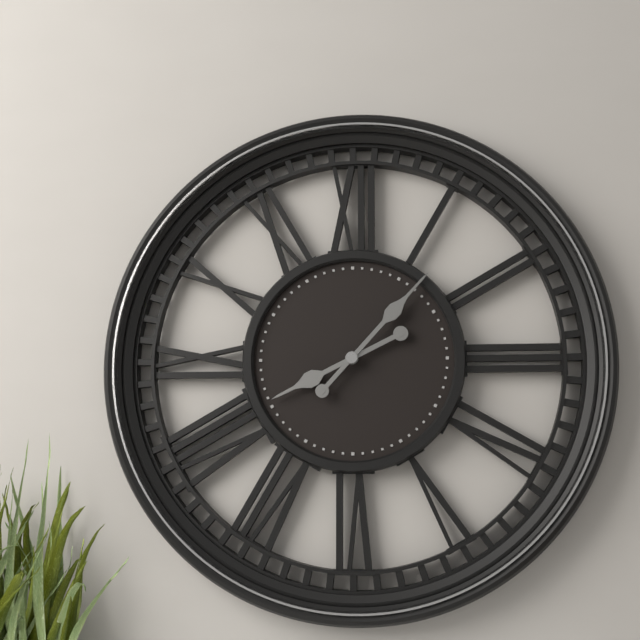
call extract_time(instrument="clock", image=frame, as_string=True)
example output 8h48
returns 8h07
